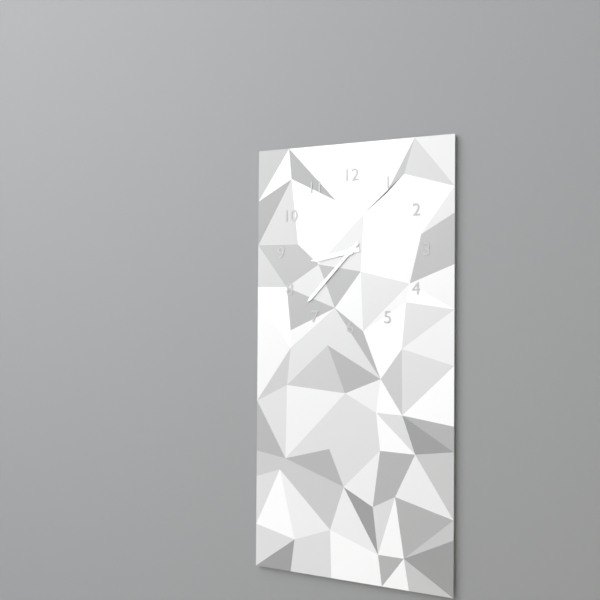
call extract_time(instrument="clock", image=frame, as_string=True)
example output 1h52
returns 8h37
